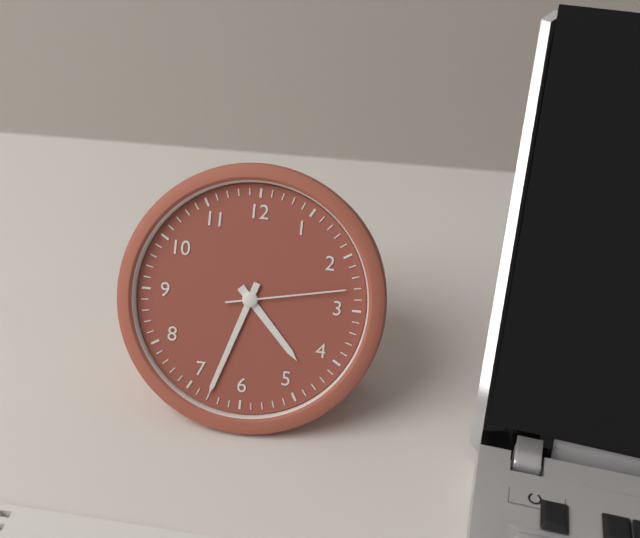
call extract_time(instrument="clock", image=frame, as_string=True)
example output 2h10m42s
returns 4h33m13s
